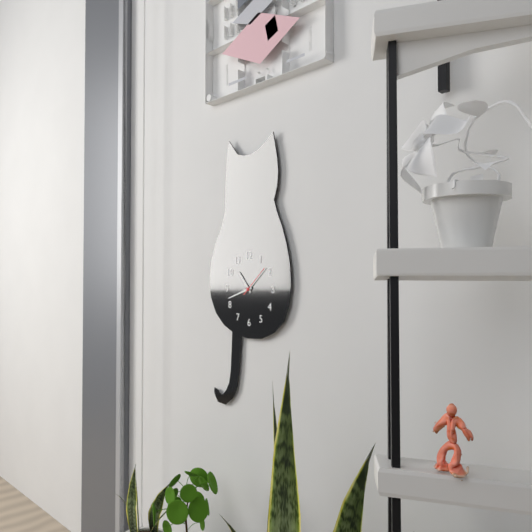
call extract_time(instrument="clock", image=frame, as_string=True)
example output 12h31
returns 10h42
